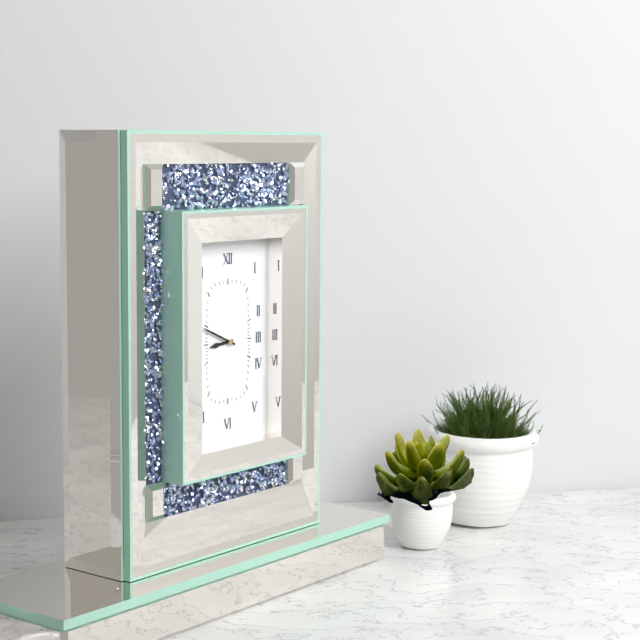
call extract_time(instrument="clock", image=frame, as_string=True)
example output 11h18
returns 8h49
